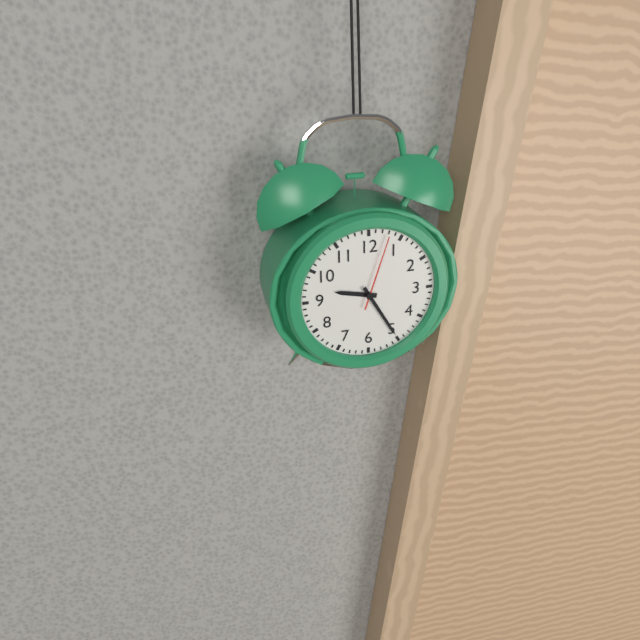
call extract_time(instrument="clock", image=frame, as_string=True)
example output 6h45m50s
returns 9h25m03s
